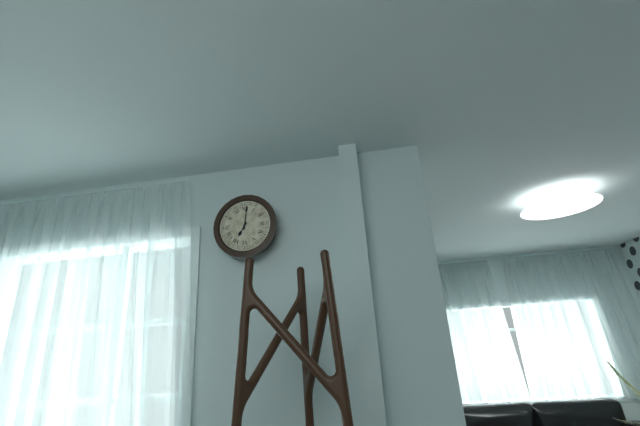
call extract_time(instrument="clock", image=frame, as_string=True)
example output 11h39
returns 7h01
